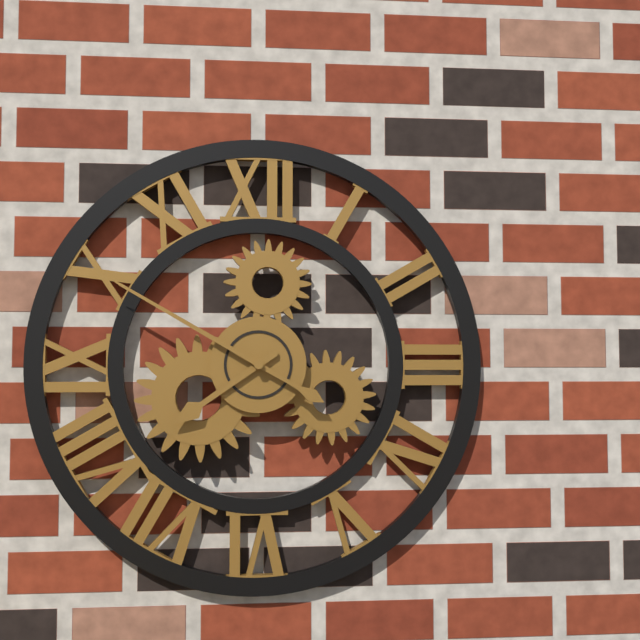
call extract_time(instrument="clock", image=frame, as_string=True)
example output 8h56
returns 7h50
